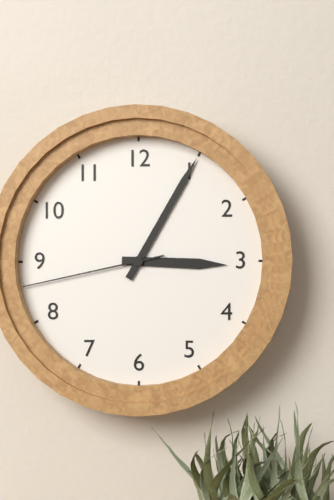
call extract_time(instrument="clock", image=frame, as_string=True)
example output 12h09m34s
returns 3h05m43s
